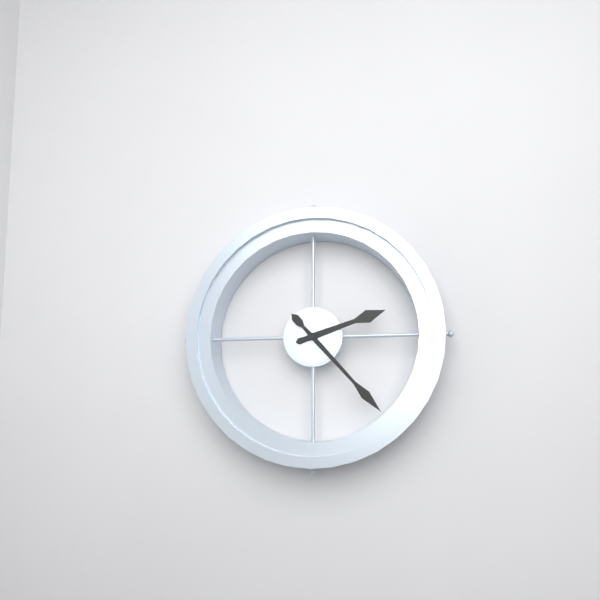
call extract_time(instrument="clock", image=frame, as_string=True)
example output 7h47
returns 2h23
